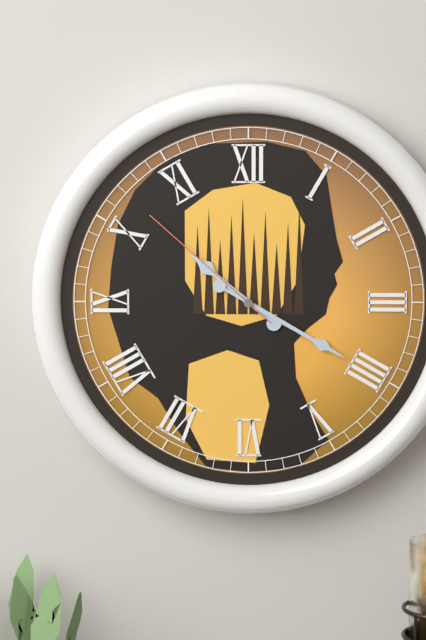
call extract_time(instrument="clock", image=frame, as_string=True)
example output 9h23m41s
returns 10h20m52s
